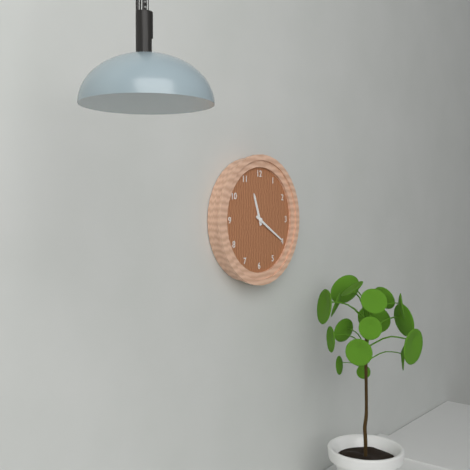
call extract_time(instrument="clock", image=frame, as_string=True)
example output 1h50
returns 11h20
